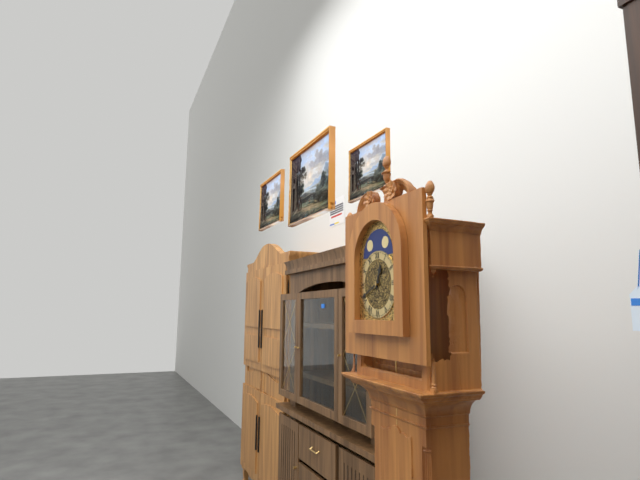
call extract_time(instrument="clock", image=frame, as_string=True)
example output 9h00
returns 12h41
